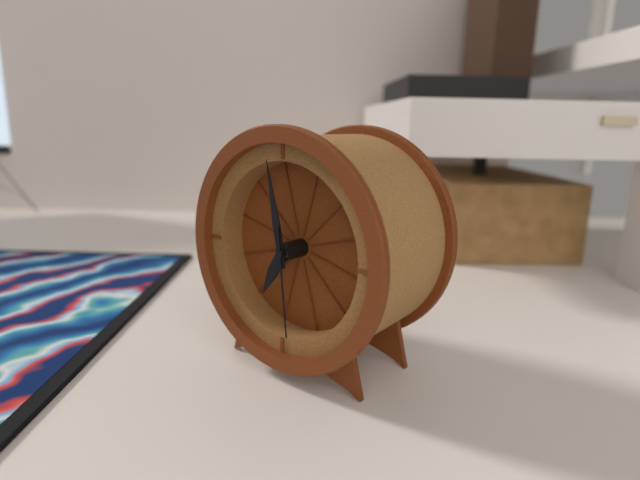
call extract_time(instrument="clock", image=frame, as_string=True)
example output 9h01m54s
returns 6h58m29s
